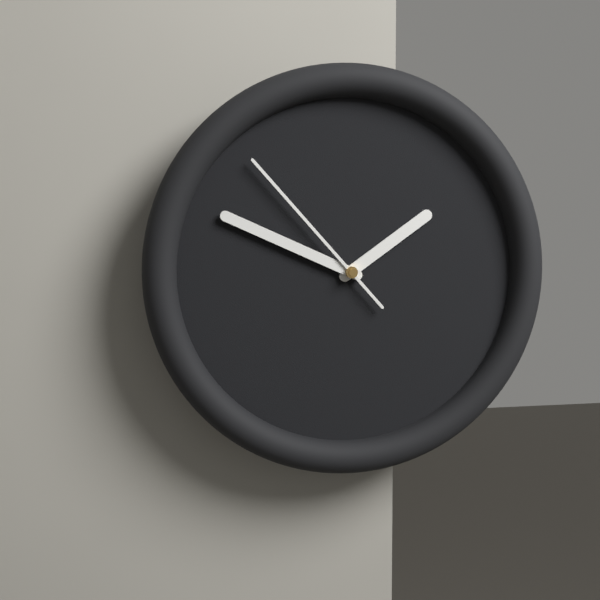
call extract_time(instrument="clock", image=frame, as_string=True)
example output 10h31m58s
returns 1h49m53s
